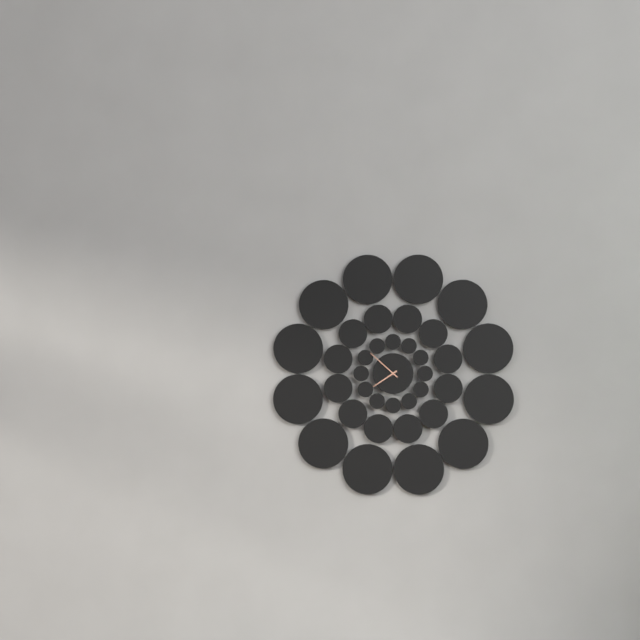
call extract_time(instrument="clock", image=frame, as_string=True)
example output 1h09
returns 7h52
